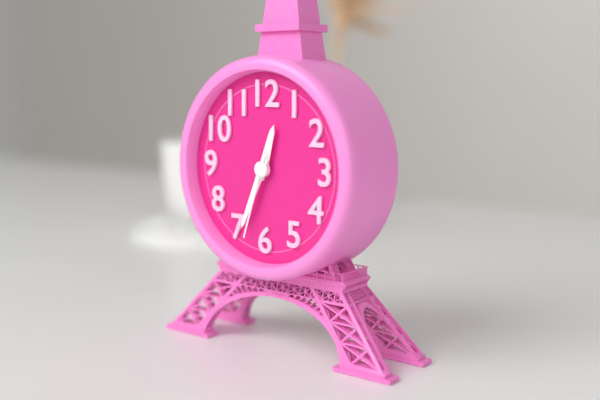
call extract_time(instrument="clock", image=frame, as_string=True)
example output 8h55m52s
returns 12h34m33s
